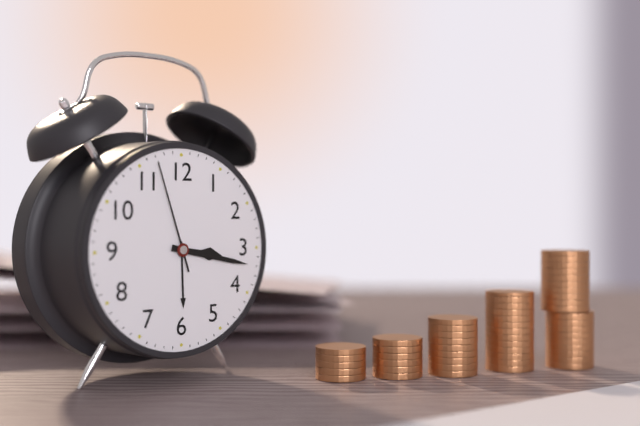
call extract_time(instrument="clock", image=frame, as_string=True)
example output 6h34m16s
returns 3h17m57s
